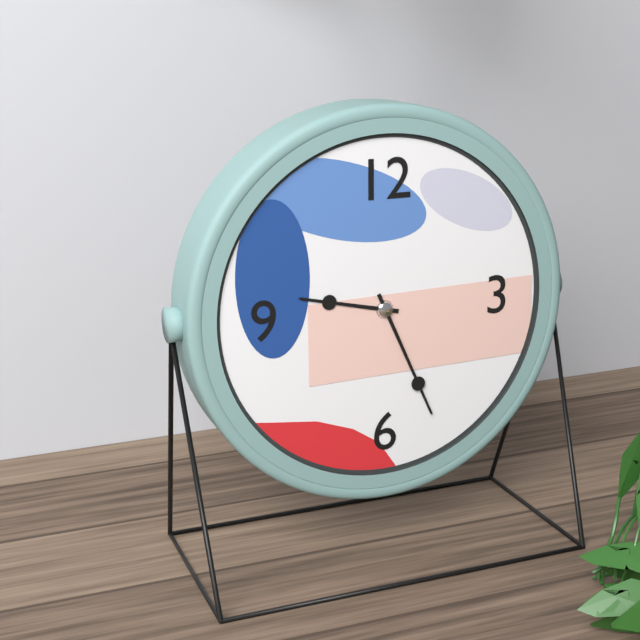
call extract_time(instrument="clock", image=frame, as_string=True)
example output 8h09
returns 9h26
